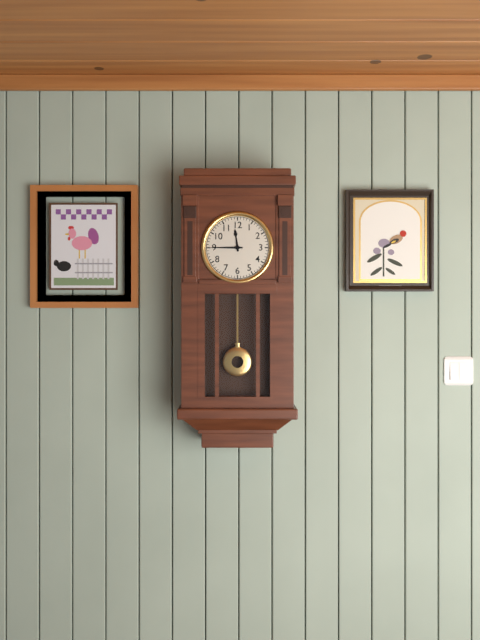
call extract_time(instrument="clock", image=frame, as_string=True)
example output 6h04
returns 11h45
